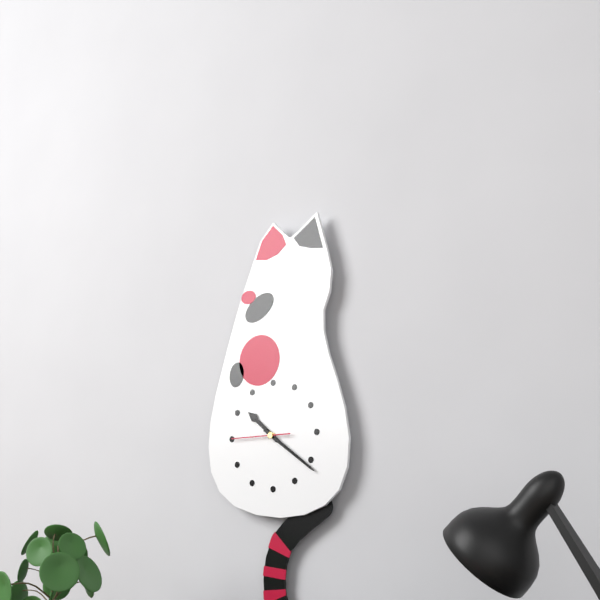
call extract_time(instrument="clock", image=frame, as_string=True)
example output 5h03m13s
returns 10h21m45s
